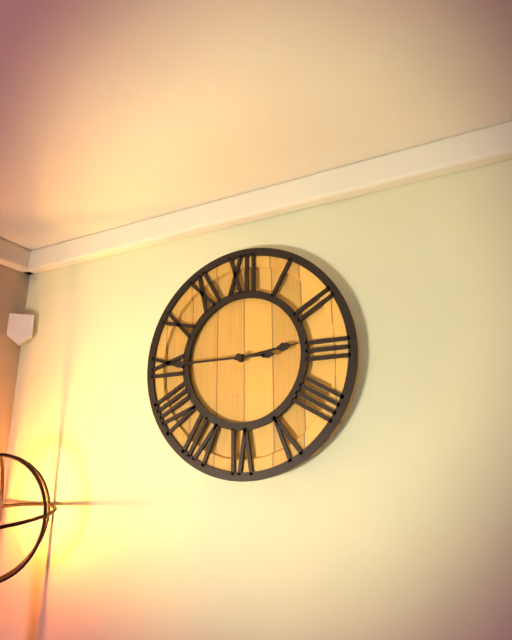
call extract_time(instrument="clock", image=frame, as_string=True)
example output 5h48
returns 2h45
